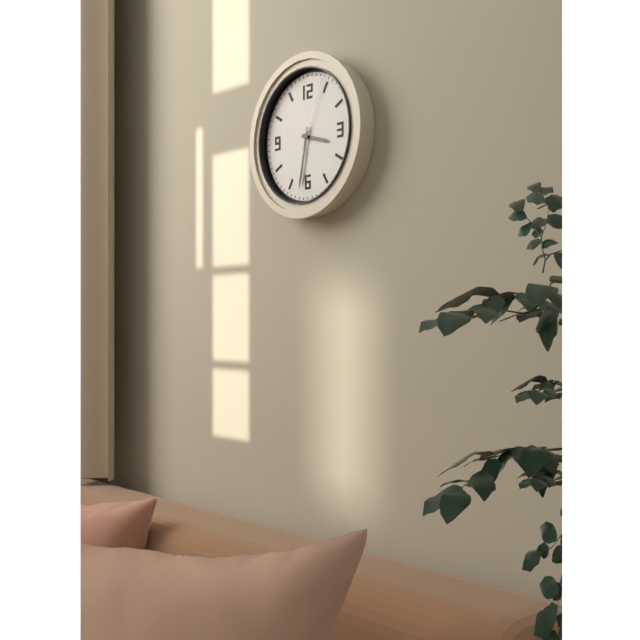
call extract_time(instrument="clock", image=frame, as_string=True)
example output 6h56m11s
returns 3h32m04s
